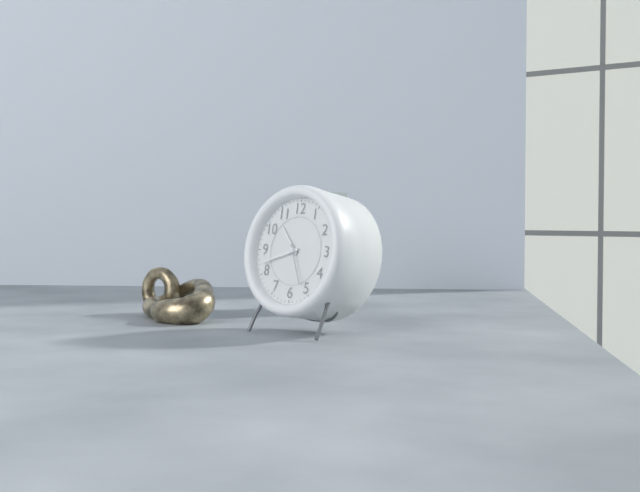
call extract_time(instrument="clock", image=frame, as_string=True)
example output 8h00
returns 10h42
